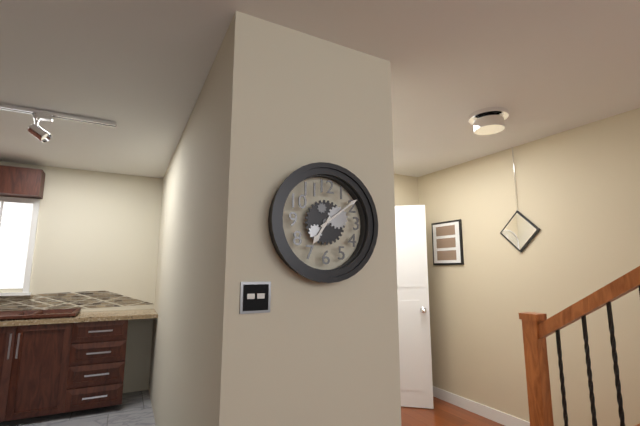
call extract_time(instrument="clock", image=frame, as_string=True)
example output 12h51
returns 7h09
